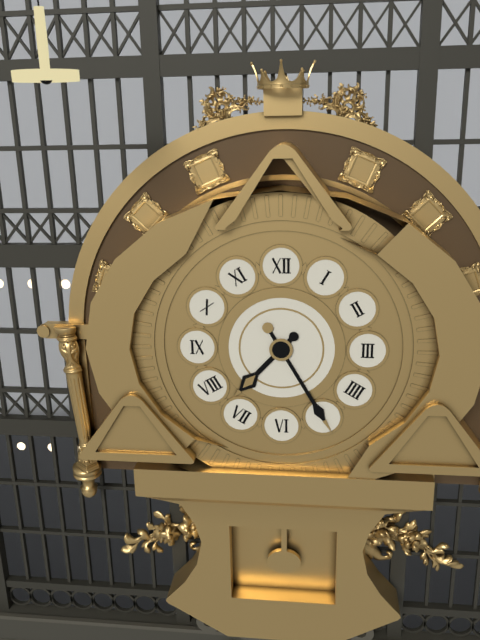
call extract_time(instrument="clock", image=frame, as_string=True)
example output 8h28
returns 7h25
